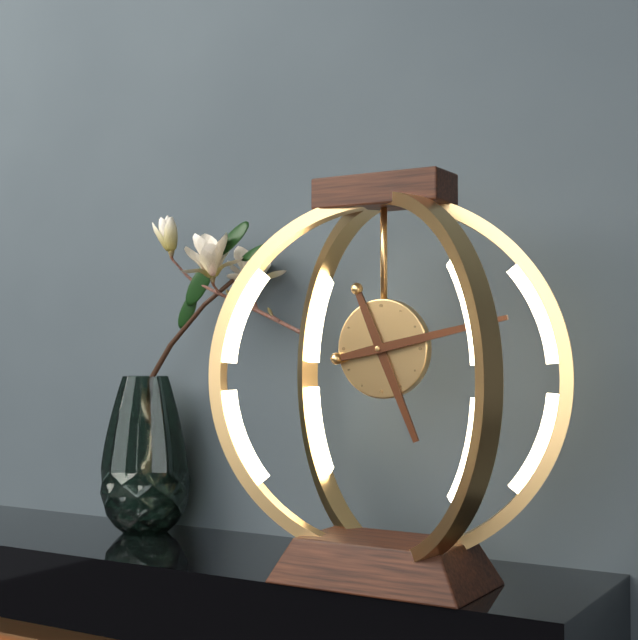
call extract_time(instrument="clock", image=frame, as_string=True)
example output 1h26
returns 5h13
